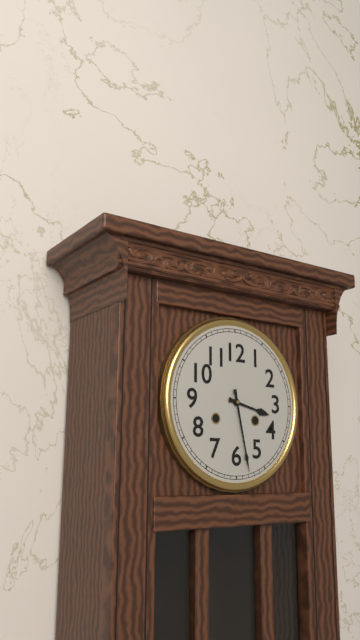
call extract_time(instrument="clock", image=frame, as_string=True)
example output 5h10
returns 3h28
